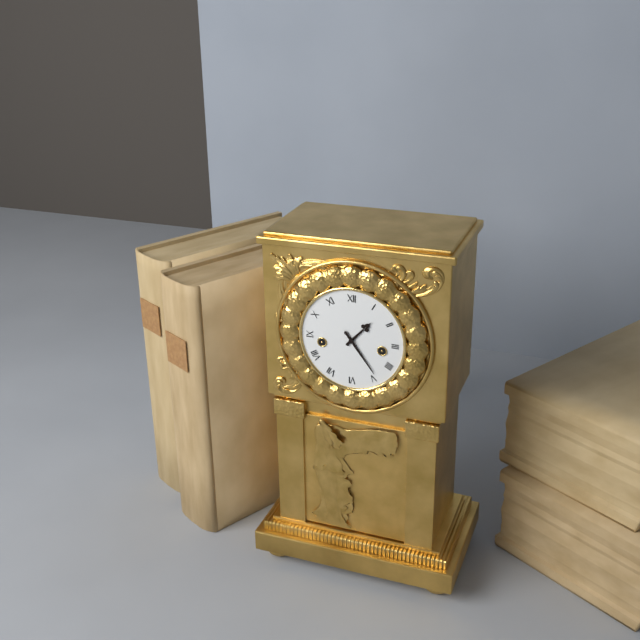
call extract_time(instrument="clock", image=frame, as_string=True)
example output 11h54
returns 1h24
